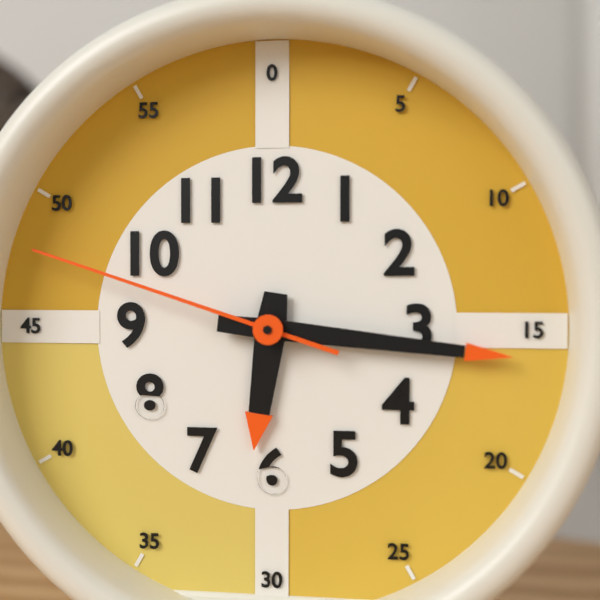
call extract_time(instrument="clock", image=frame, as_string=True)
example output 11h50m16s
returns 6h16m48s
